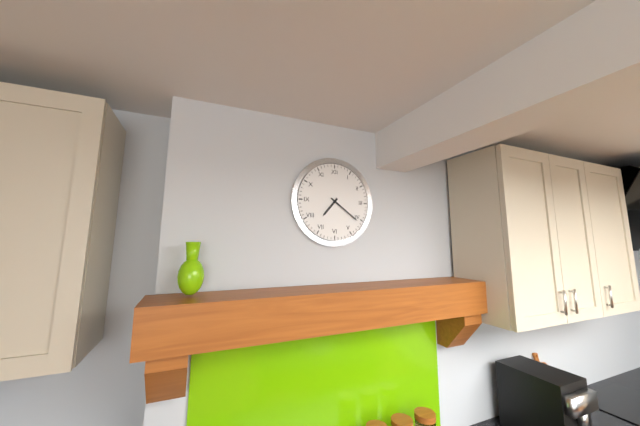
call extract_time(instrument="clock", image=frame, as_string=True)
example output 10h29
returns 7h21
